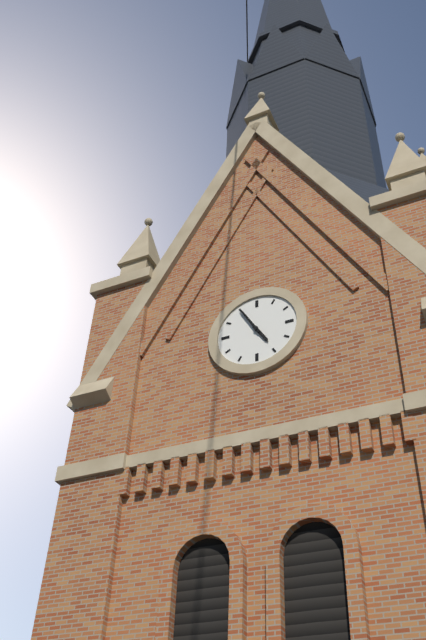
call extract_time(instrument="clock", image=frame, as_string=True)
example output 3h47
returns 4h55
